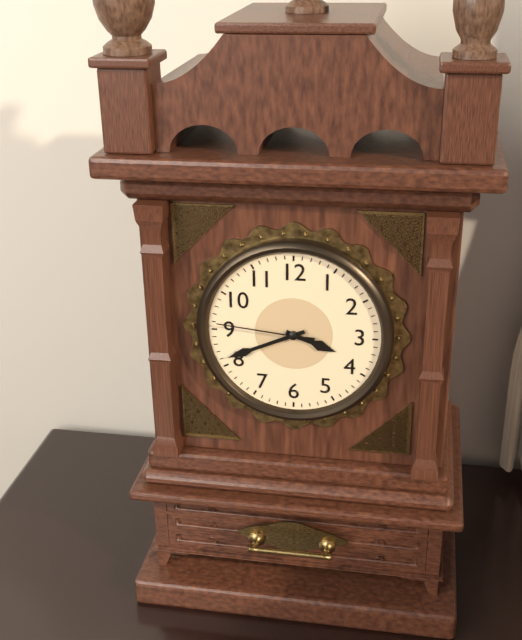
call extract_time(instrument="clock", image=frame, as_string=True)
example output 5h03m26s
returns 3h41m46s
